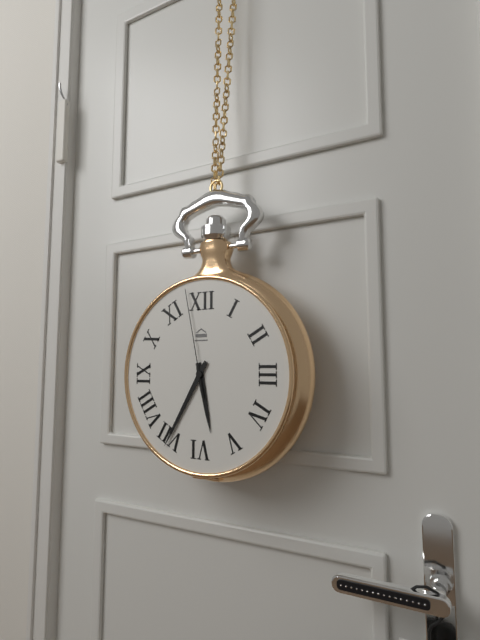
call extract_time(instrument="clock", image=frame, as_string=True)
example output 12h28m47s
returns 5h35m58s
